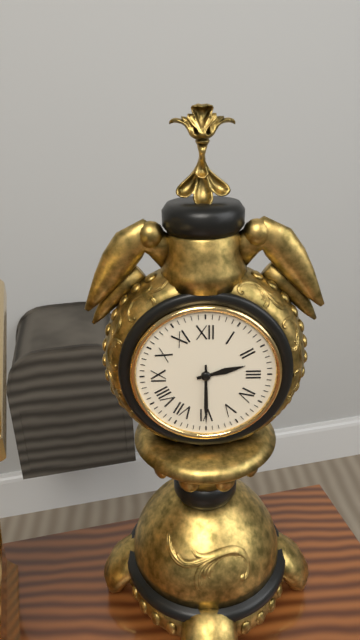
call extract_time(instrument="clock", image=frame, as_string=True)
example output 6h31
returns 2h30
